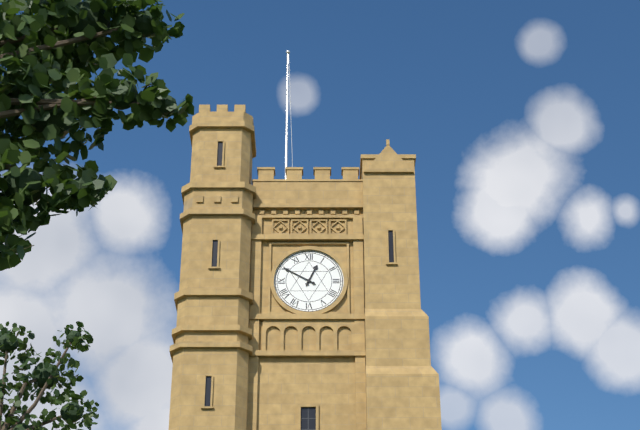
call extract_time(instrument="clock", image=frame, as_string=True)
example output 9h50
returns 12h50
